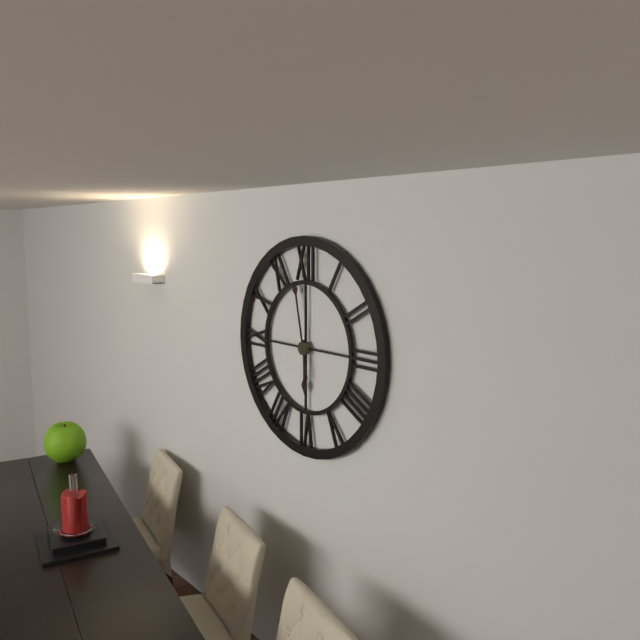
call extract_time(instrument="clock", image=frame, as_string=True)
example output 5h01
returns 5h58
